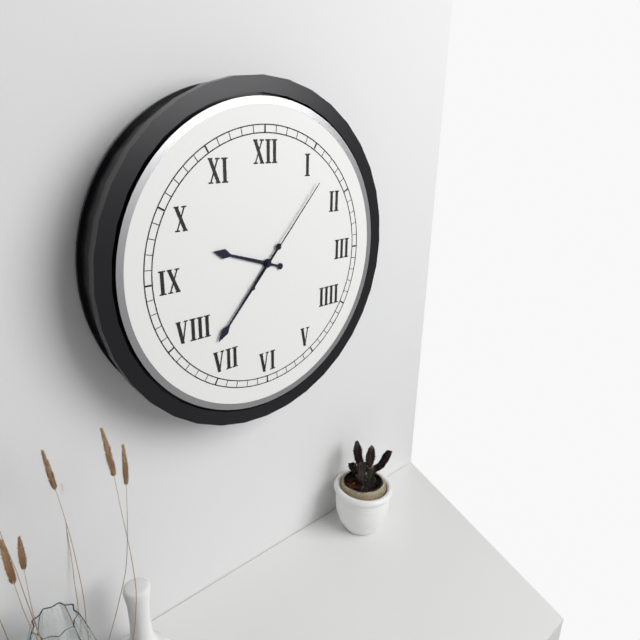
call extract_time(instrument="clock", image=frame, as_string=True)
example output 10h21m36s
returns 9h37m07s
